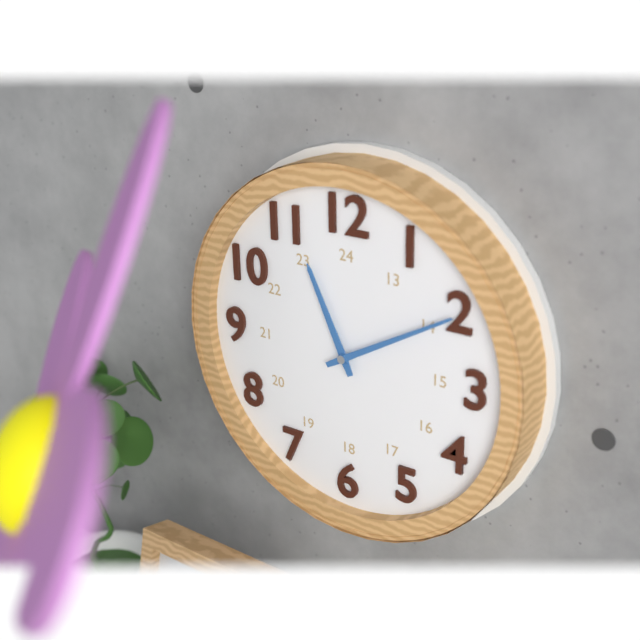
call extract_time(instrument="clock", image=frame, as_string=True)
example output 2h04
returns 11h10
